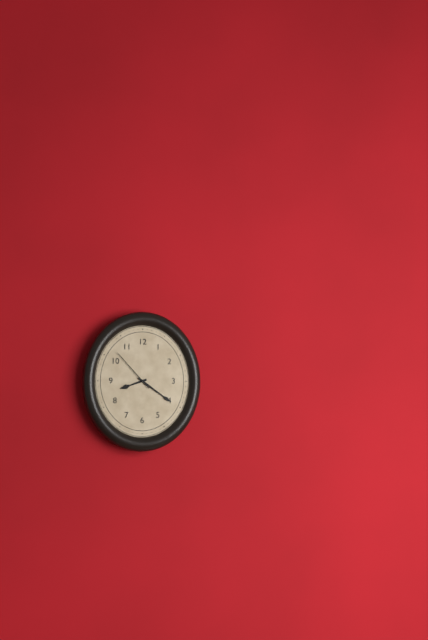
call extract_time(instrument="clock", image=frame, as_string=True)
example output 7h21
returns 8h21
